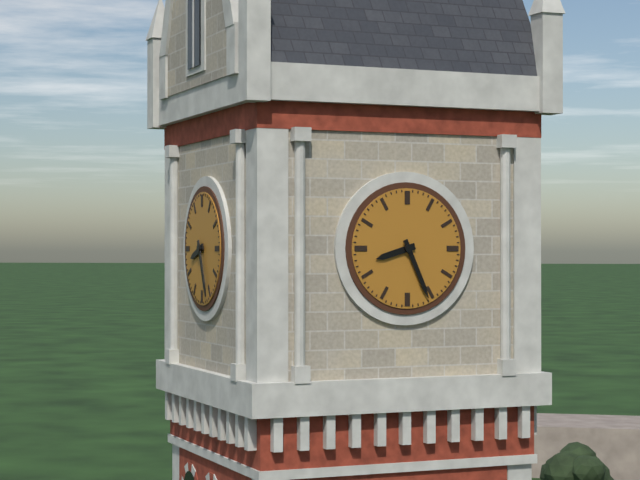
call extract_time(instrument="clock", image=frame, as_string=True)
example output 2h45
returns 8h26
